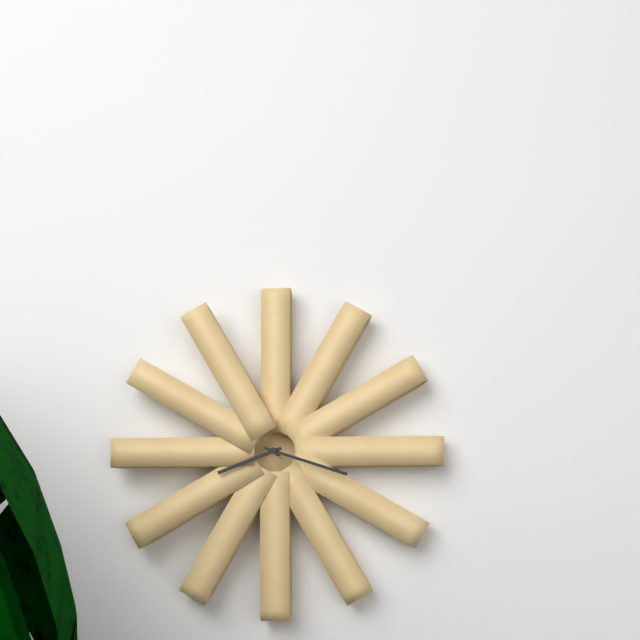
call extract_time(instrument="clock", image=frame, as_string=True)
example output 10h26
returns 8h18
